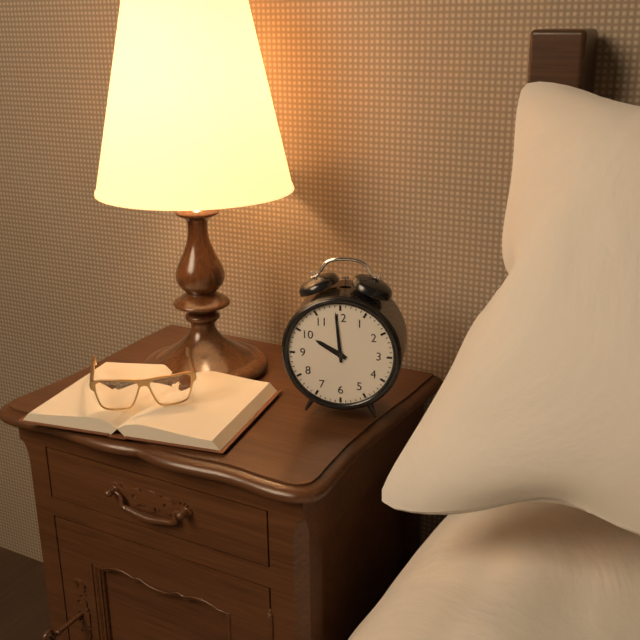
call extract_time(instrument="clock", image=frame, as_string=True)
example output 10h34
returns 9h59
